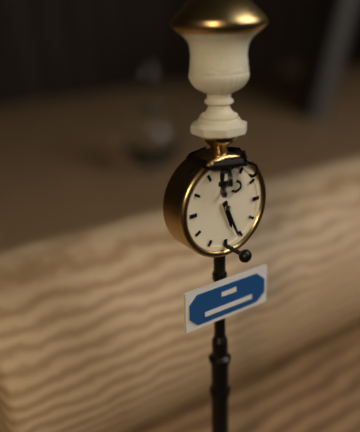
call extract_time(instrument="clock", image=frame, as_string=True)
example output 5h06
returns 5h26
